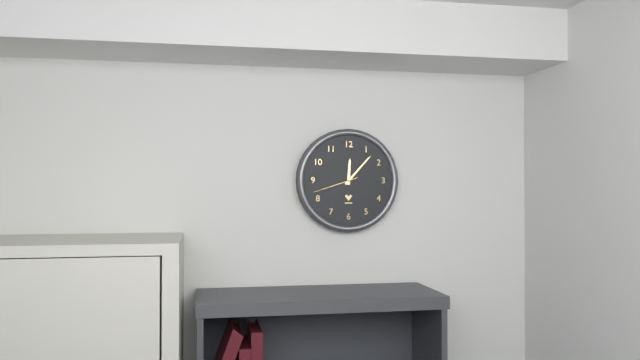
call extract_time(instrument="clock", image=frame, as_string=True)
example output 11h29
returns 12h07
